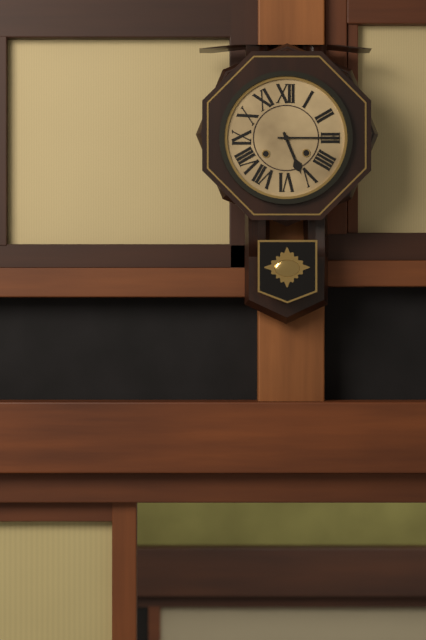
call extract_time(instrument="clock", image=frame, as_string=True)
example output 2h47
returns 5h15
